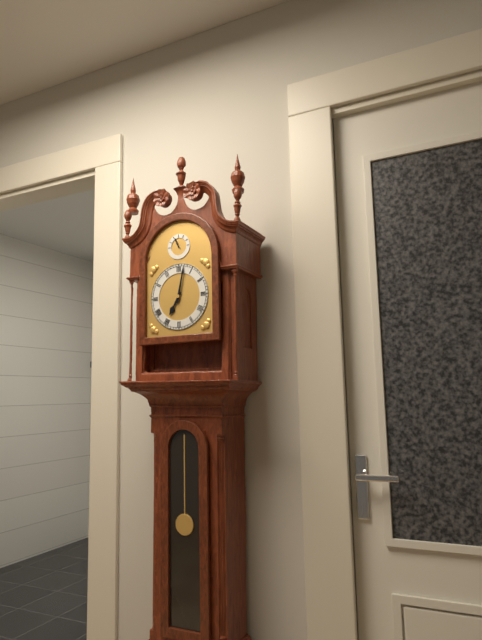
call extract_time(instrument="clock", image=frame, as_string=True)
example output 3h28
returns 7h02
